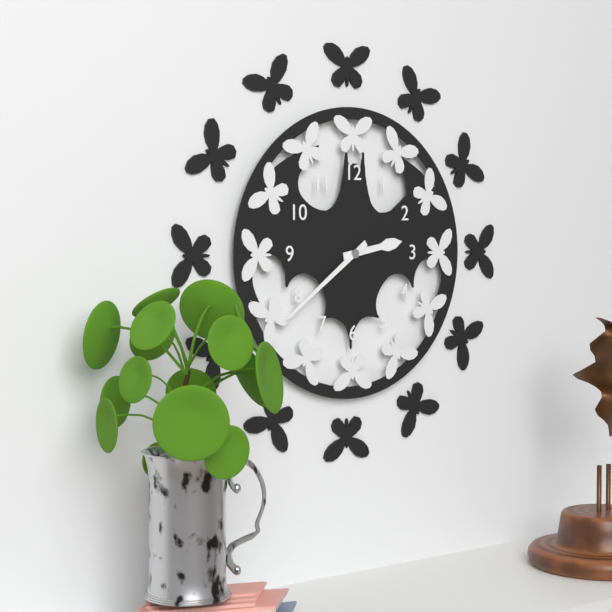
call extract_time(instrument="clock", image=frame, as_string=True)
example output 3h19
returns 2h39
